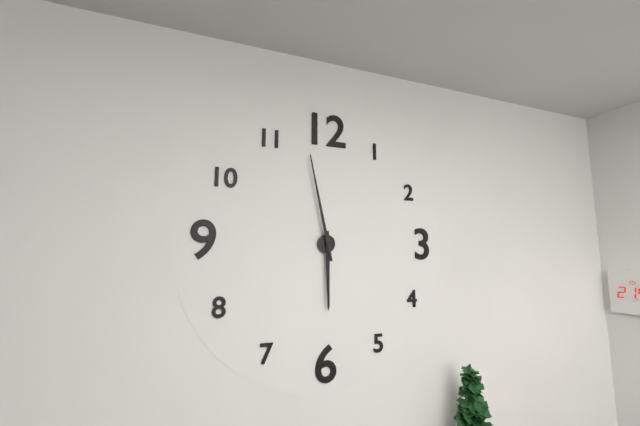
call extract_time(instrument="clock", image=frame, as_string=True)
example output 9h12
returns 5h58
